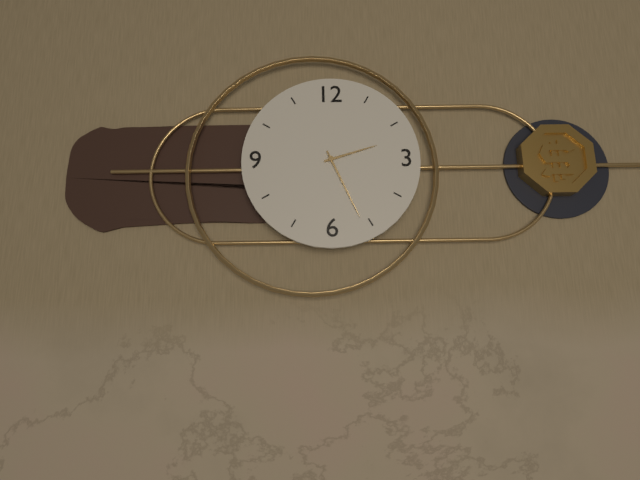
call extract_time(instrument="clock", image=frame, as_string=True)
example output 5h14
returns 2h26
